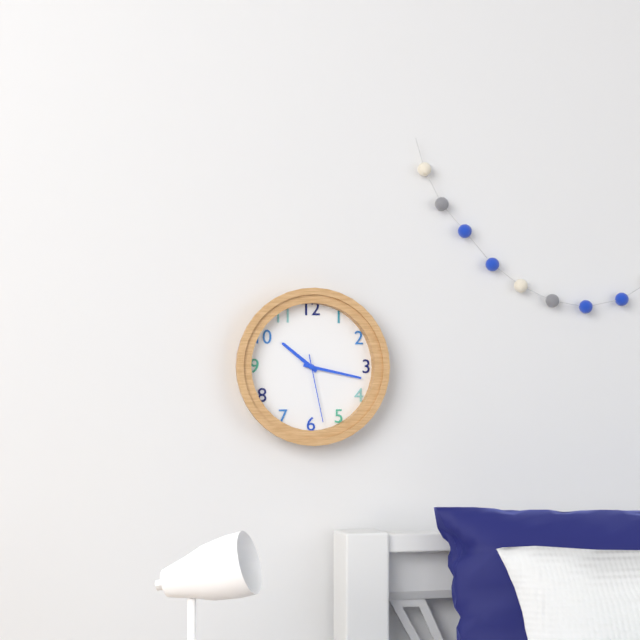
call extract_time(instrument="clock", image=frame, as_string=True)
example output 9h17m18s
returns 10h17m28s
